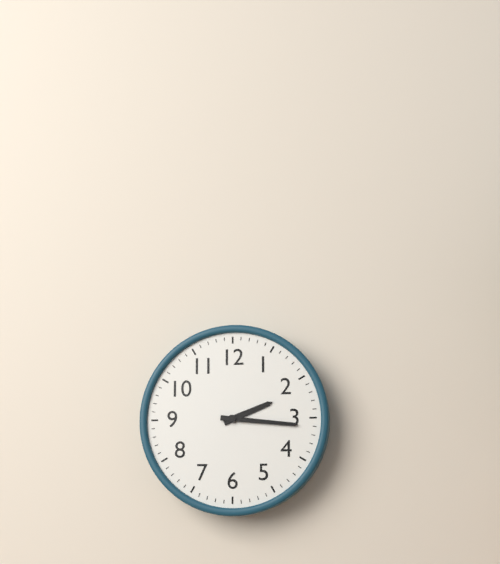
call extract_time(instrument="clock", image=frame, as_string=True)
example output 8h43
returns 2h16
